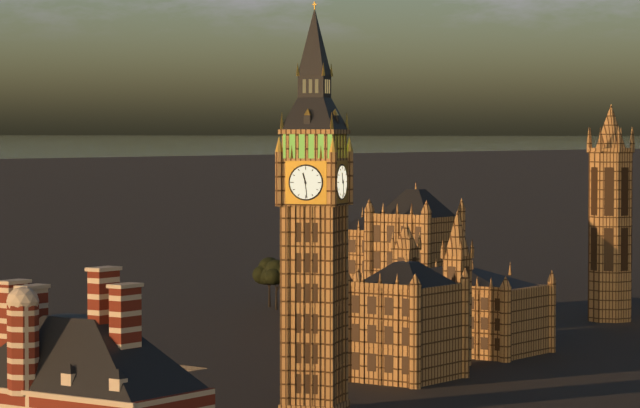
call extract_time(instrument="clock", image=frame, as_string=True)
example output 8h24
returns 11h29
